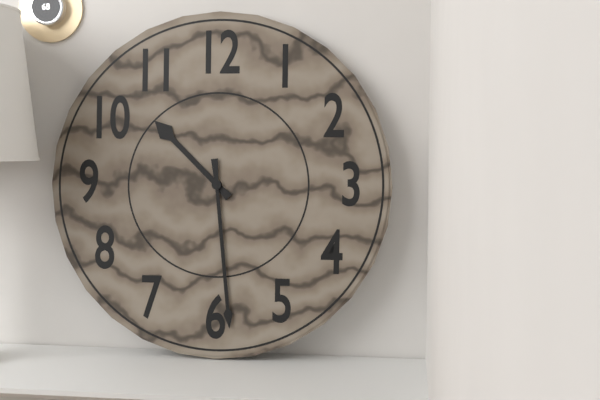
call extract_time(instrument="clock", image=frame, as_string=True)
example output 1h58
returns 10h29
